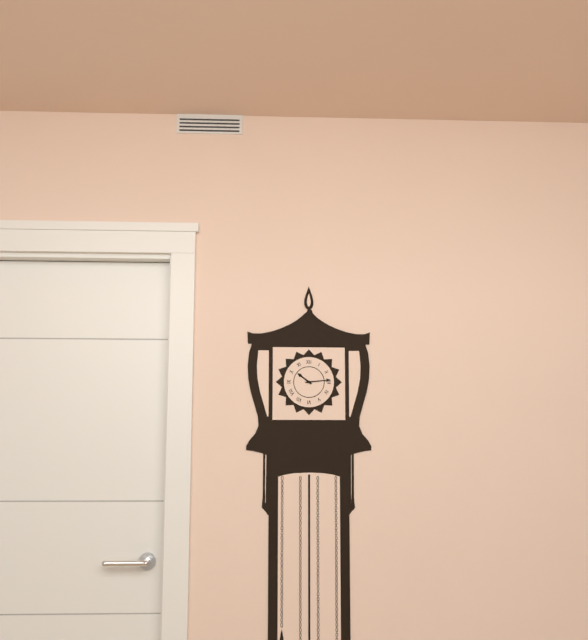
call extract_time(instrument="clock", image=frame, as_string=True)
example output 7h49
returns 10h14
